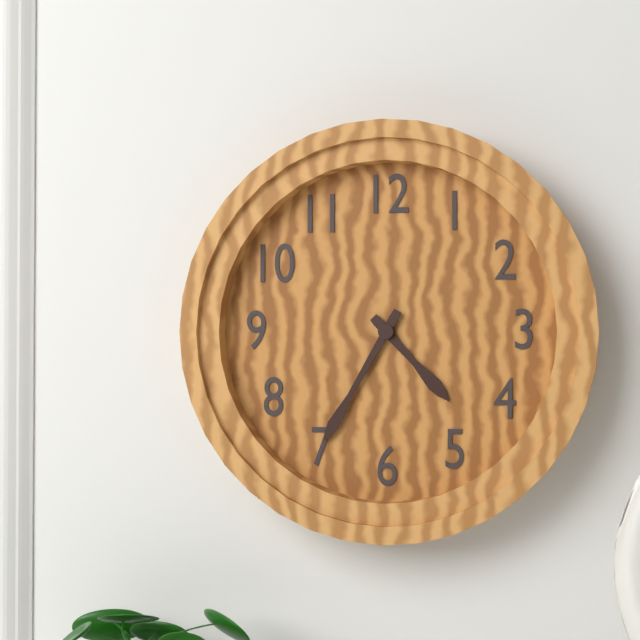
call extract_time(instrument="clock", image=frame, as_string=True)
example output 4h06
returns 4h35
